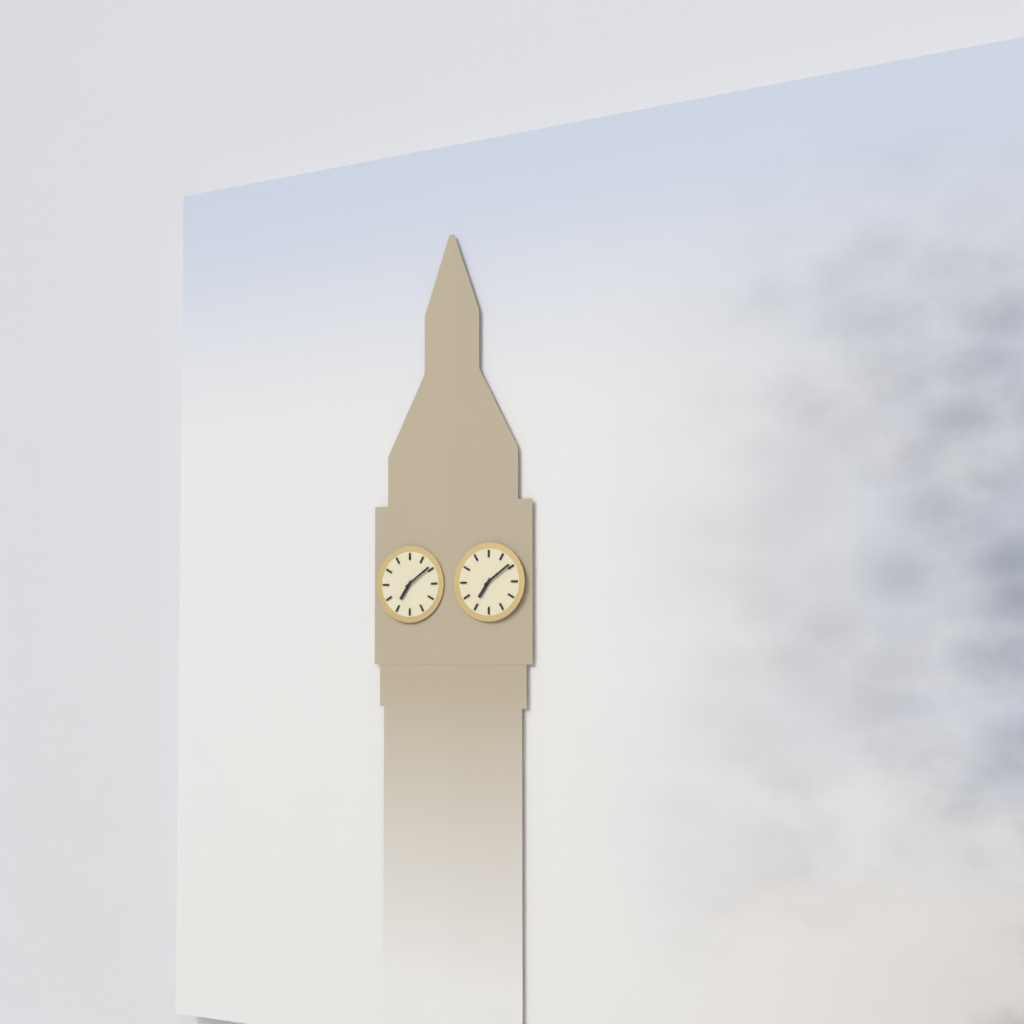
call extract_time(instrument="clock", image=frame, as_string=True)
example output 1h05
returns 7h09
